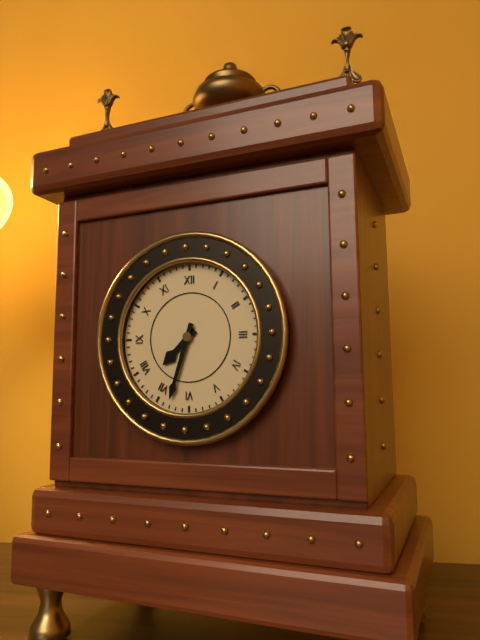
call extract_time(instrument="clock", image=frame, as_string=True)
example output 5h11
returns 7h33
